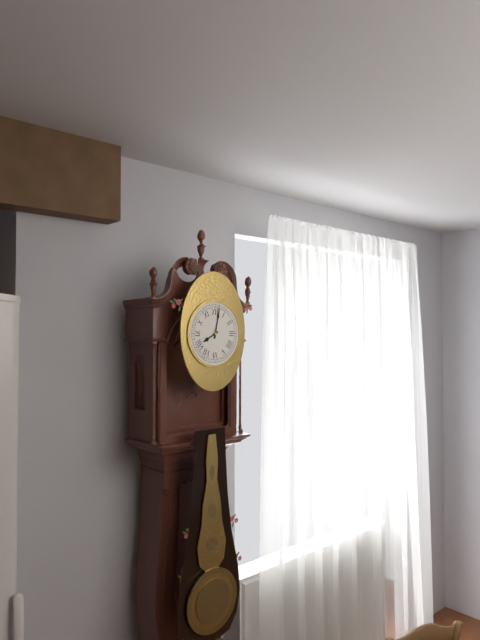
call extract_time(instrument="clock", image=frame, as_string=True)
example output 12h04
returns 8h02
